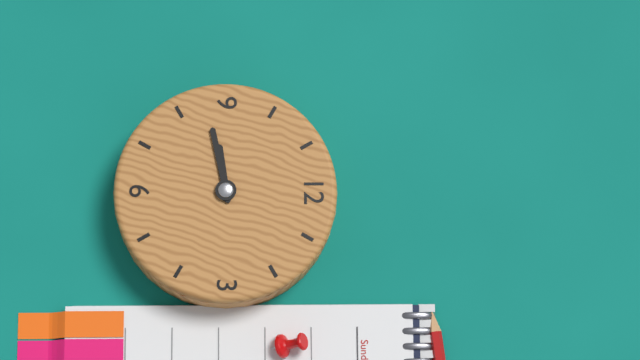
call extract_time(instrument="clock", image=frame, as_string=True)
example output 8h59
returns 8h43
